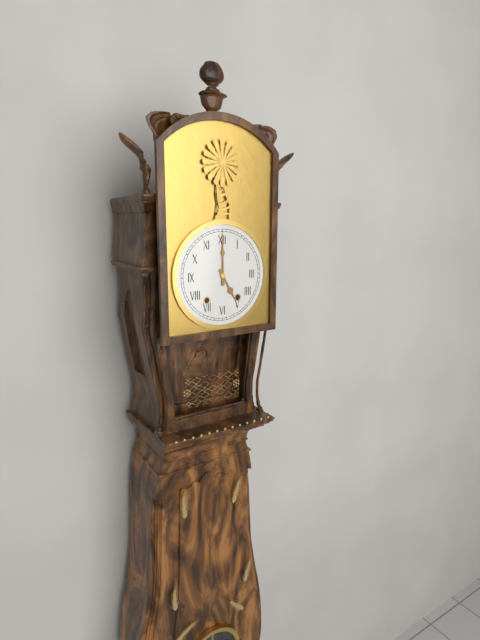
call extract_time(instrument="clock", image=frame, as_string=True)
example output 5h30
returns 5h00
